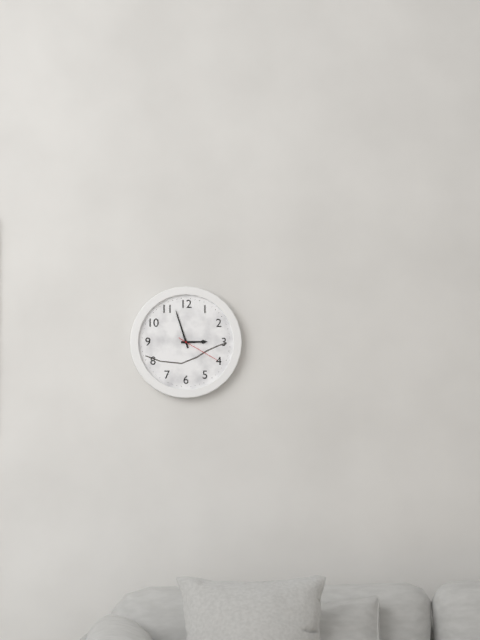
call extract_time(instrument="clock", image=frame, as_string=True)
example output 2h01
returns 2h57
